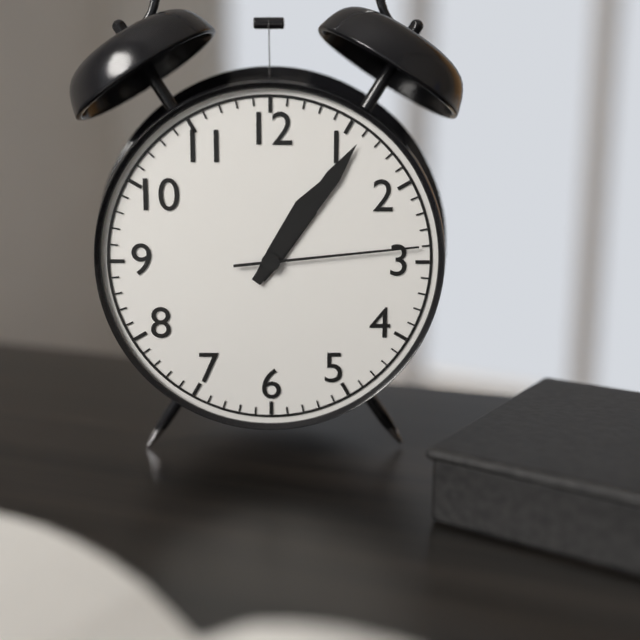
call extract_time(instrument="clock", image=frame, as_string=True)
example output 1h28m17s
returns 1h06m14s
